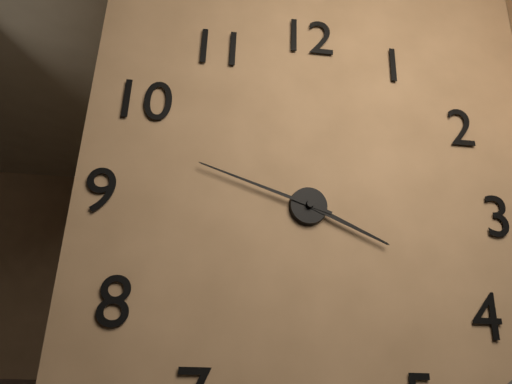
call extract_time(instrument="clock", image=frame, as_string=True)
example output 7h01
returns 3h48
